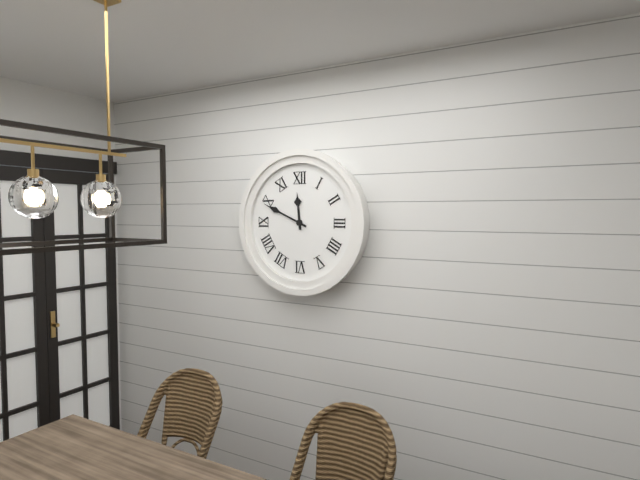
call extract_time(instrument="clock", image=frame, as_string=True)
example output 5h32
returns 11h49
